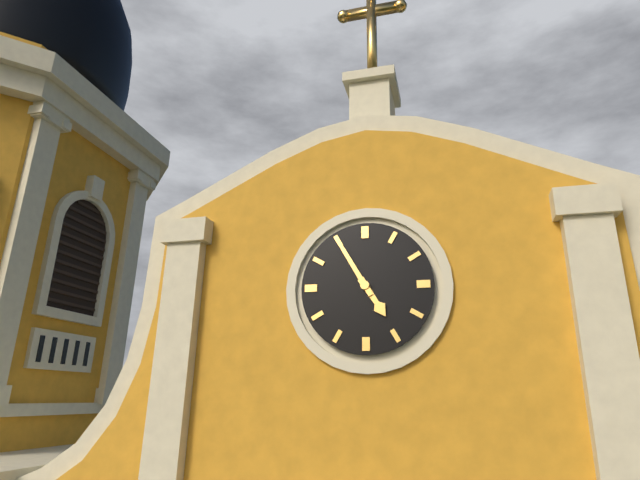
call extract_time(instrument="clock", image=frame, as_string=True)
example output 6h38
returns 4h55
